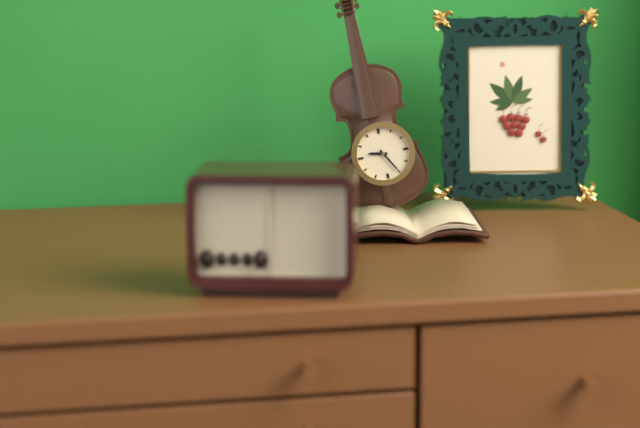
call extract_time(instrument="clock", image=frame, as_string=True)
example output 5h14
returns 9h25
